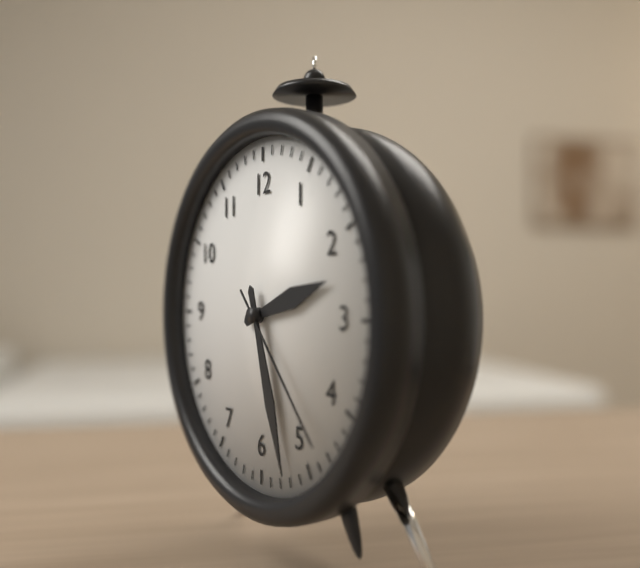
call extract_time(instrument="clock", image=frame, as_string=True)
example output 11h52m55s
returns 2h27m23s
